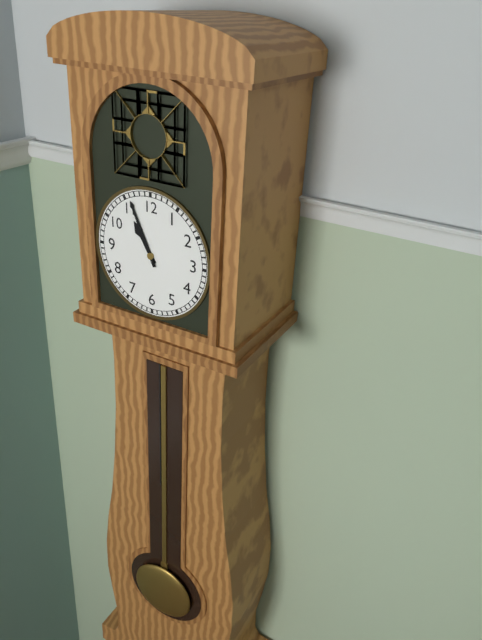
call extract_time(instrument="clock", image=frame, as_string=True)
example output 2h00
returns 10h56
